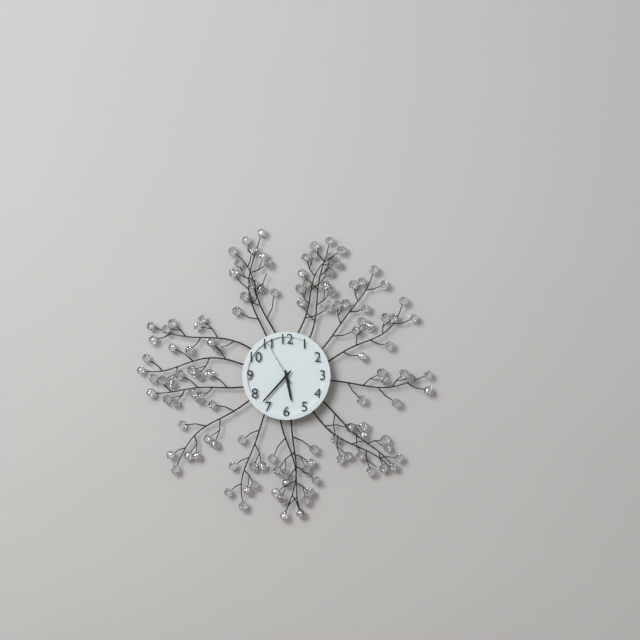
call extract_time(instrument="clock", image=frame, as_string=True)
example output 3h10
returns 5h37
